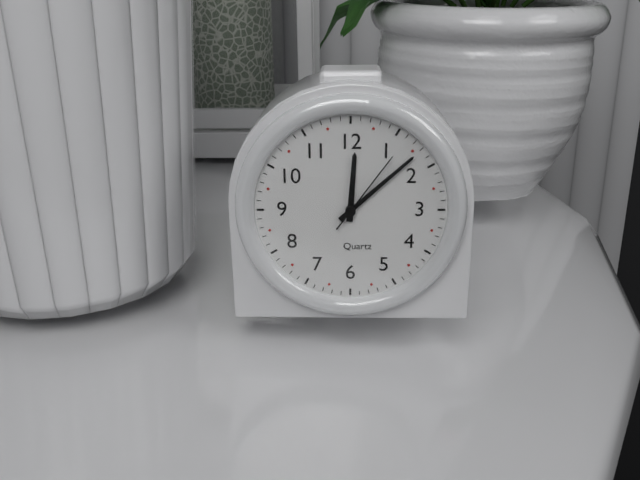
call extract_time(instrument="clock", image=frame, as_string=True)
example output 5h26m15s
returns 12h08m06s
